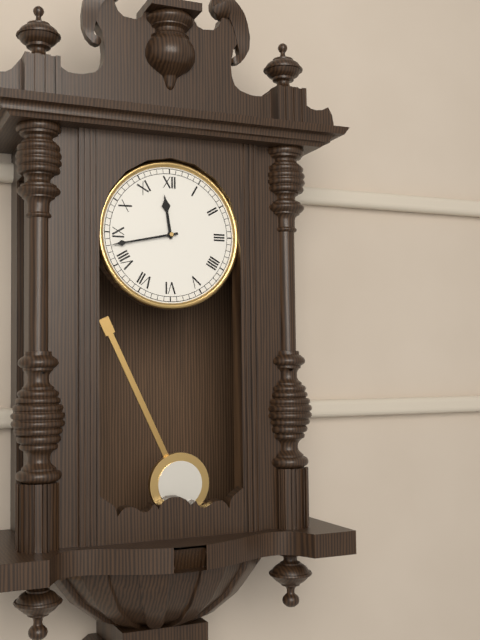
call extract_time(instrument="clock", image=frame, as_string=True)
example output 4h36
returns 11h43
